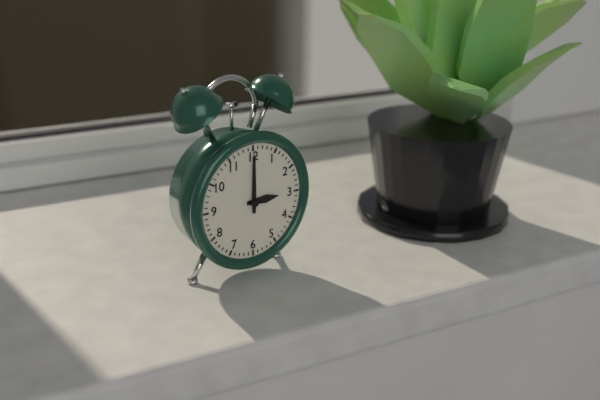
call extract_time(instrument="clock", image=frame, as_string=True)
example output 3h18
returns 3h00
